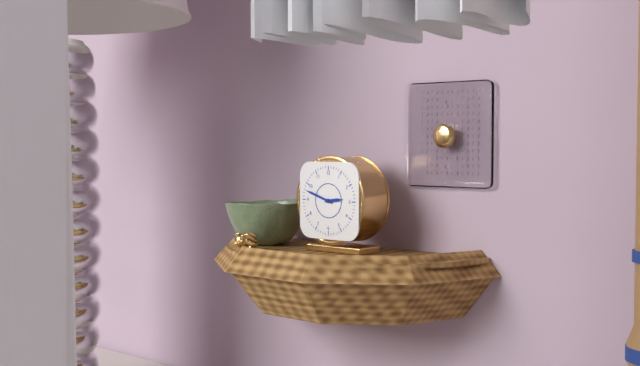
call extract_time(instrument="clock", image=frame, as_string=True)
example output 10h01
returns 2h48
